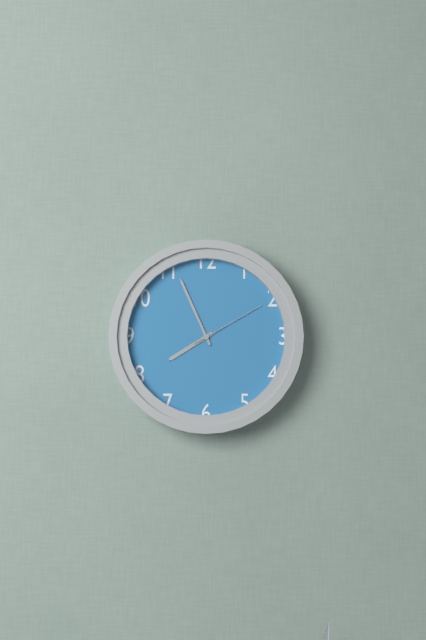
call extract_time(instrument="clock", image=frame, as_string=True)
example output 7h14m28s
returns 7h56m10s
